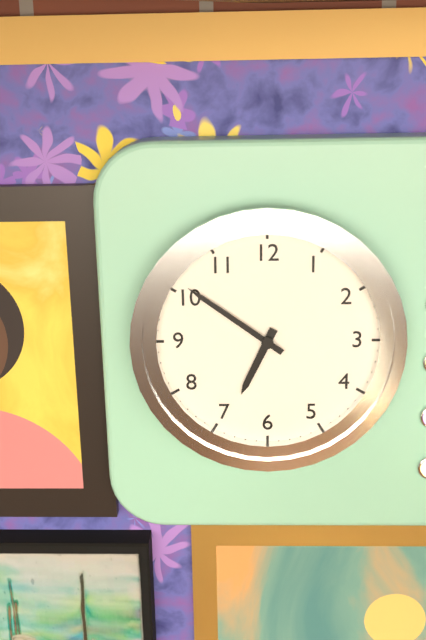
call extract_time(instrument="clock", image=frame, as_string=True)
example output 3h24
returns 6h51
